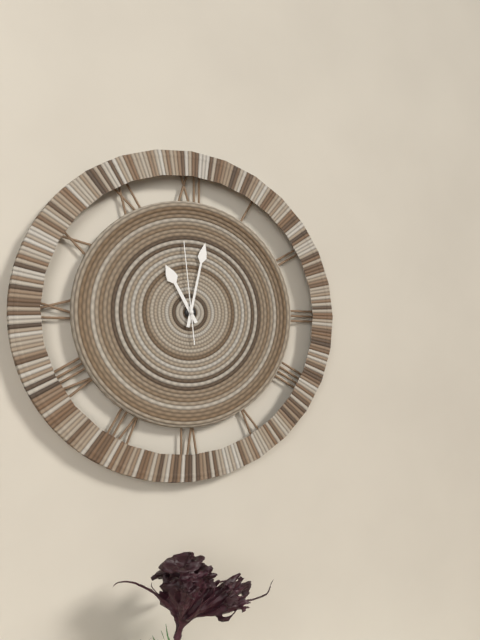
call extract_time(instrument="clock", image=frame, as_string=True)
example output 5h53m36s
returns 11h02m59s
